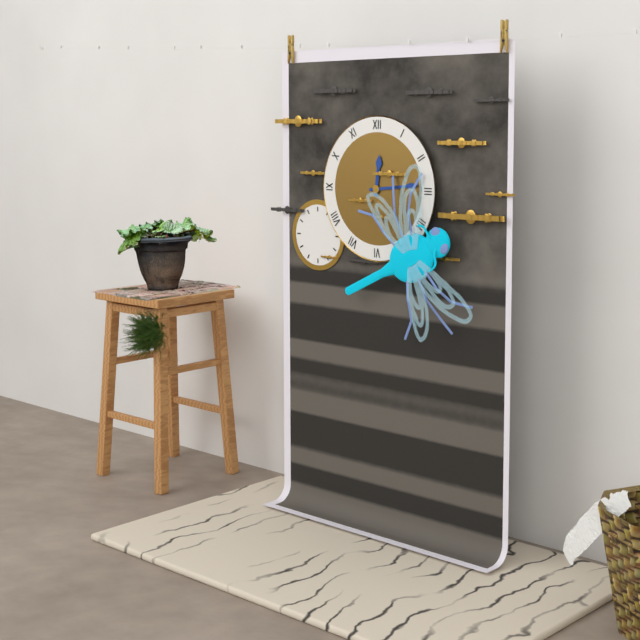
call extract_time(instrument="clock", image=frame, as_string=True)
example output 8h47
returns 12h14
